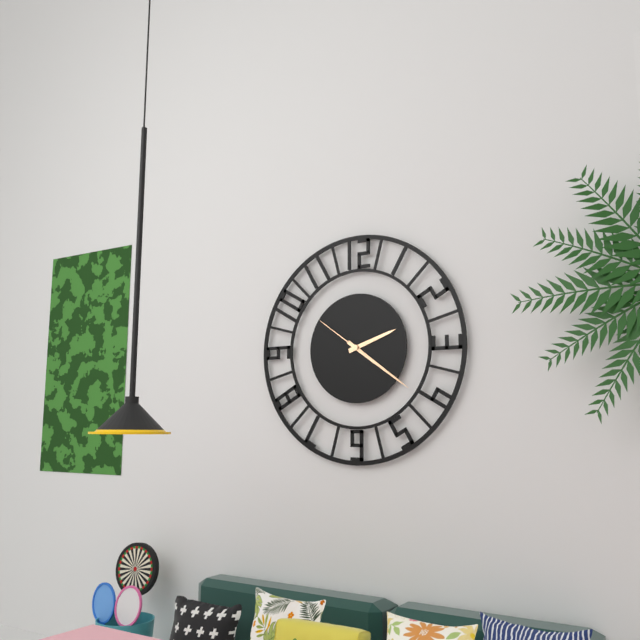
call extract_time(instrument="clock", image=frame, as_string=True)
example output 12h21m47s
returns 2h21m51s
